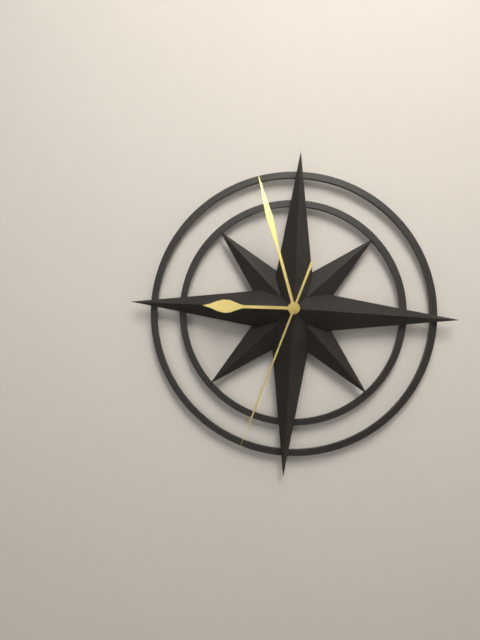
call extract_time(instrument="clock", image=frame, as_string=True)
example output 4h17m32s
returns 8h57m33s
